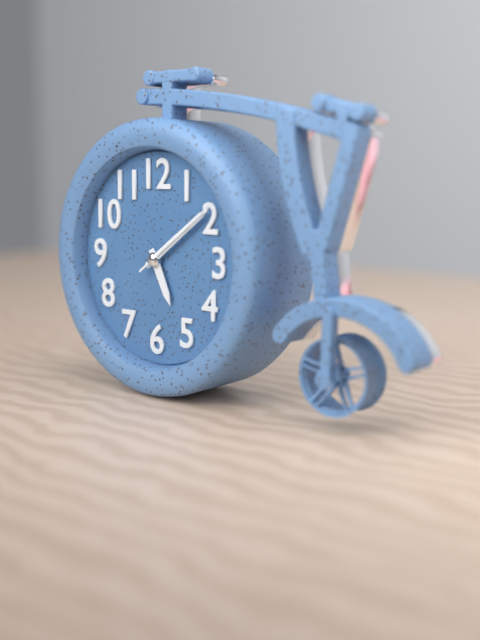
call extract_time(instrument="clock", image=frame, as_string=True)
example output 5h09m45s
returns 5h09m09s
